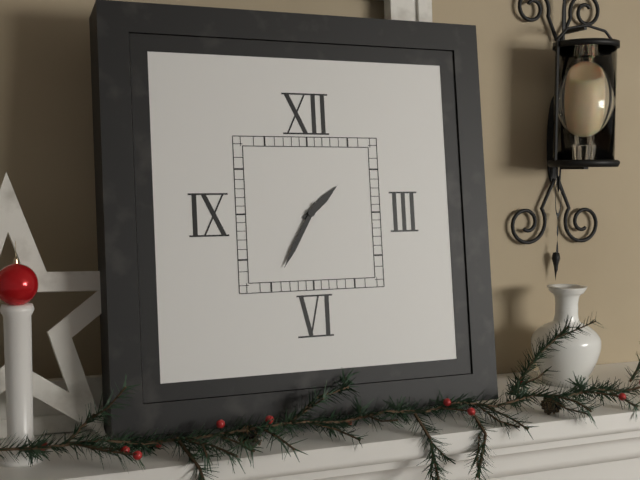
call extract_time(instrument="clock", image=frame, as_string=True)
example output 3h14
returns 1h35
